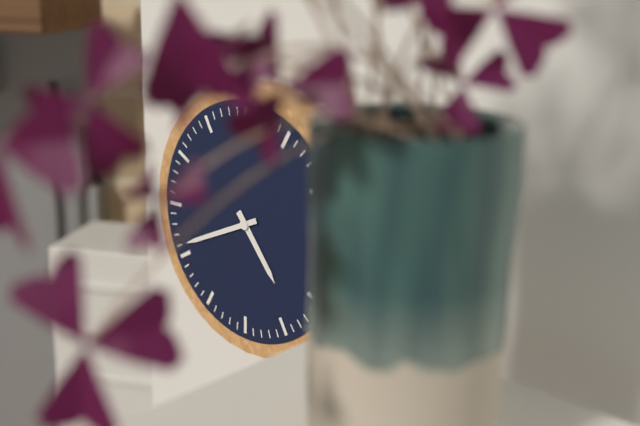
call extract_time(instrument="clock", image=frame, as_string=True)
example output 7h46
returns 4h41
